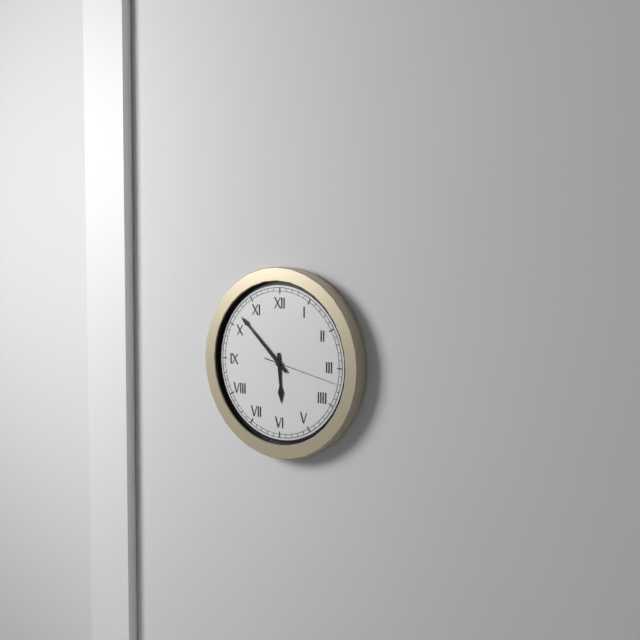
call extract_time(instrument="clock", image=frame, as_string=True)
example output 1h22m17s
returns 5h52m17s
